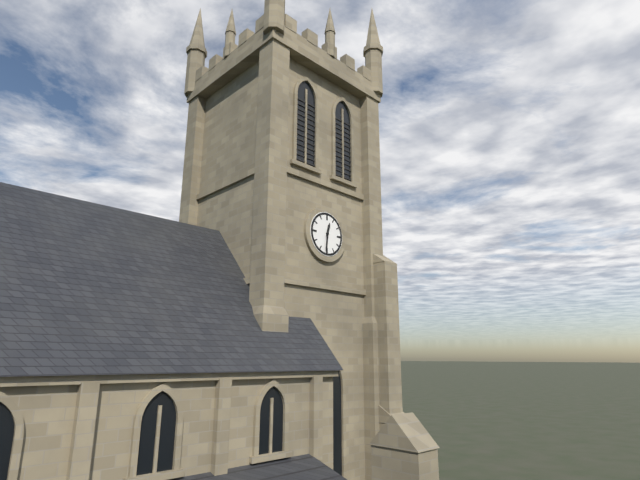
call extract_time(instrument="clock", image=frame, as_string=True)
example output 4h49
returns 12h31
